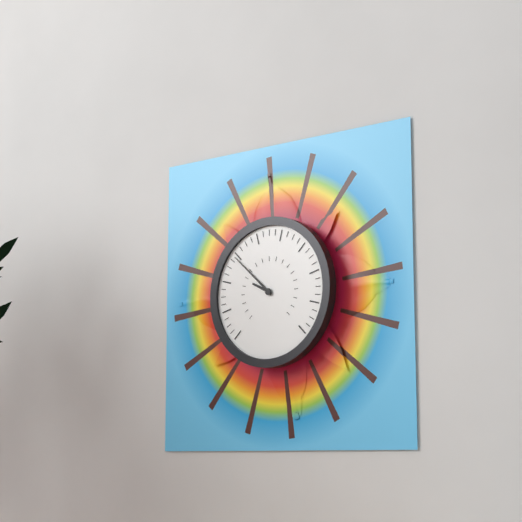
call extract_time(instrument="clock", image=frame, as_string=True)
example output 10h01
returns 9h52
